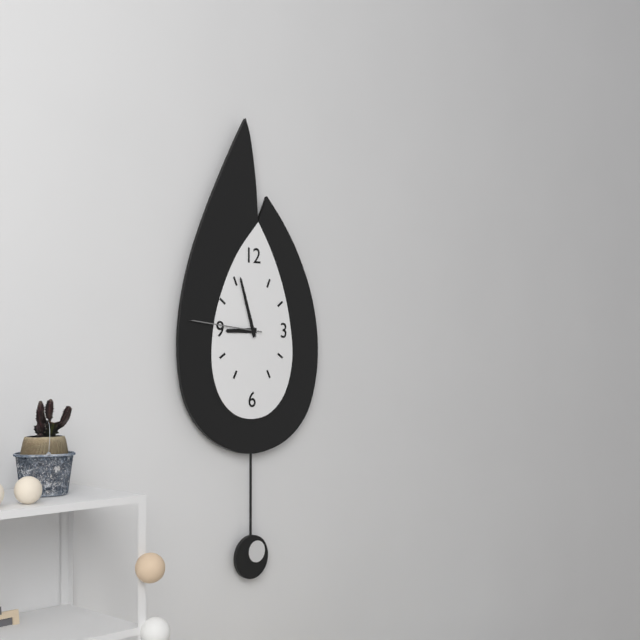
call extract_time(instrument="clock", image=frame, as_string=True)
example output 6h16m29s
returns 8h57m46s
